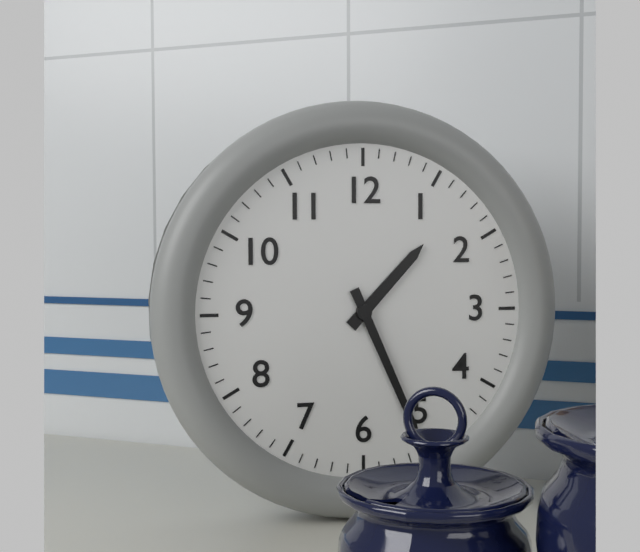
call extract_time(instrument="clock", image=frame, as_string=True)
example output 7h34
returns 1h26
